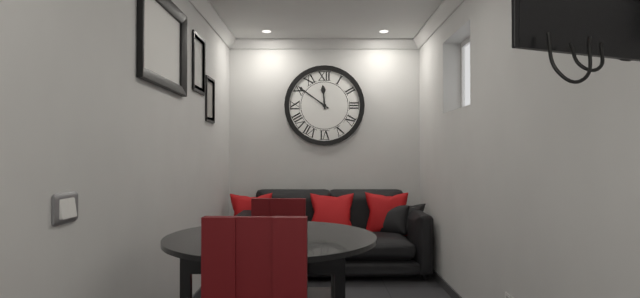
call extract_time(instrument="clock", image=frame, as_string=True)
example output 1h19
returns 11h51
